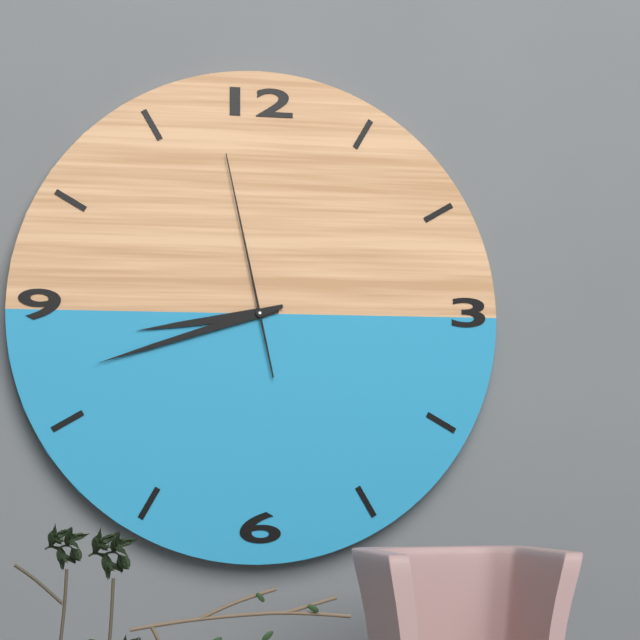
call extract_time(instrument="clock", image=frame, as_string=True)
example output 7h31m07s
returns 8h42m58s
